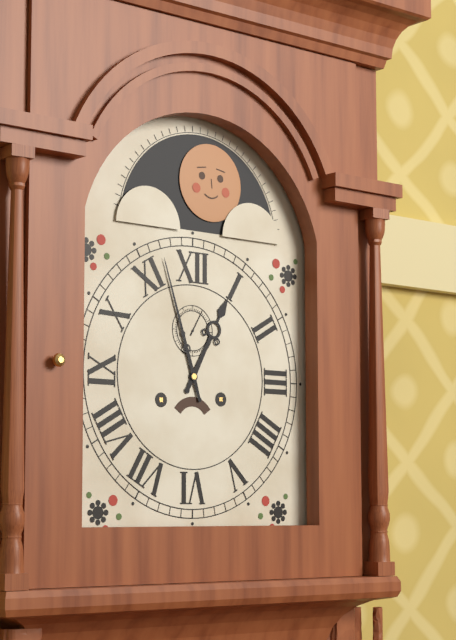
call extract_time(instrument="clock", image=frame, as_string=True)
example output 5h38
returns 12h57
